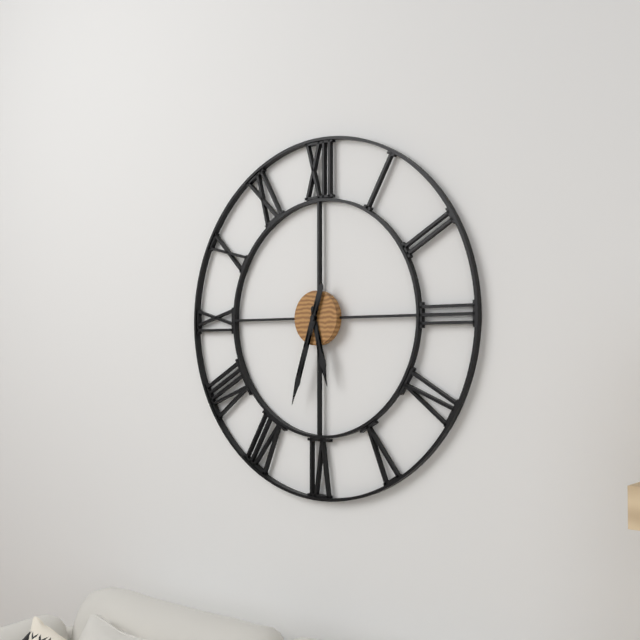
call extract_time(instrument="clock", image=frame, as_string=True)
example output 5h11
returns 5h33
